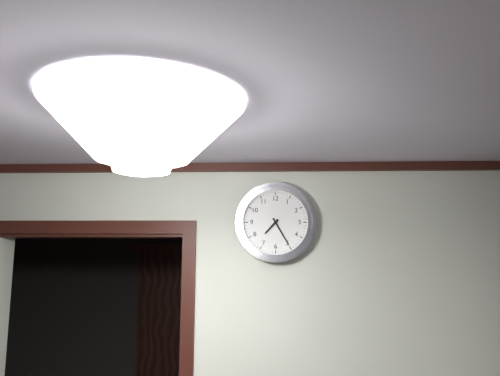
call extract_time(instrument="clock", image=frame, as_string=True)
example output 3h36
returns 7h25
